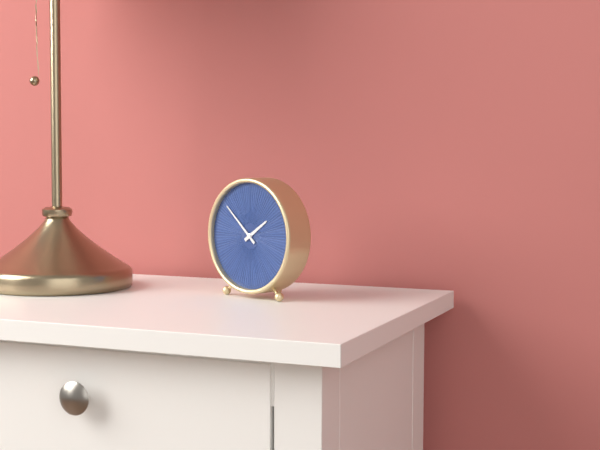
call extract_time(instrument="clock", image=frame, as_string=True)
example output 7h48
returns 1h52
